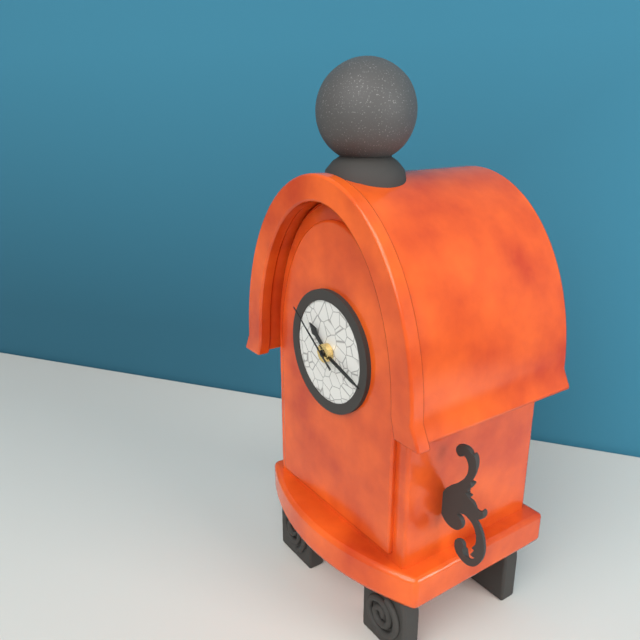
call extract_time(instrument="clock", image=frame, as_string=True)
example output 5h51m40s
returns 10h18m51s
